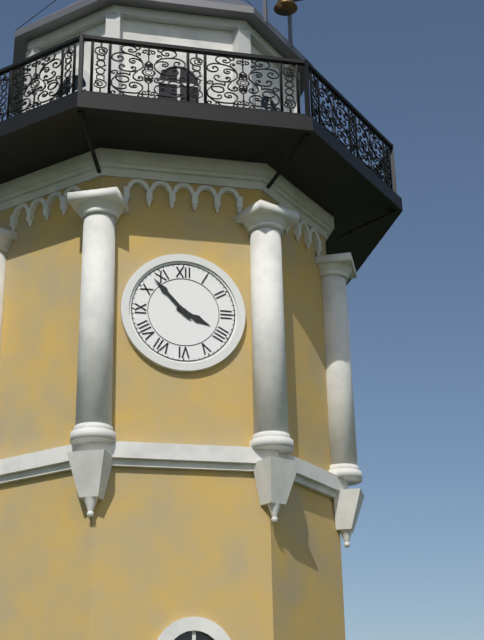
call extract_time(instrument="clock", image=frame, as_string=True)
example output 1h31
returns 3h53
